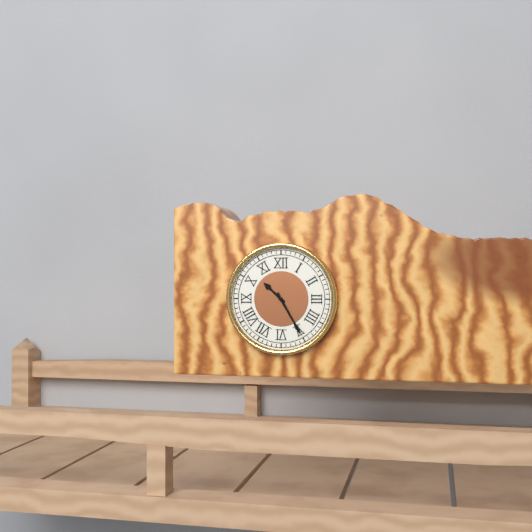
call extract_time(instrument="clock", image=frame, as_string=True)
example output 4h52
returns 10h25
